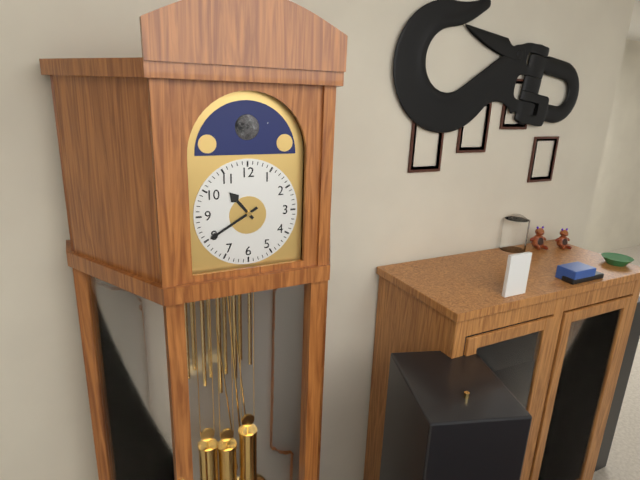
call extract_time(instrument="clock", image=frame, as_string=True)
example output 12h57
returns 10h40
